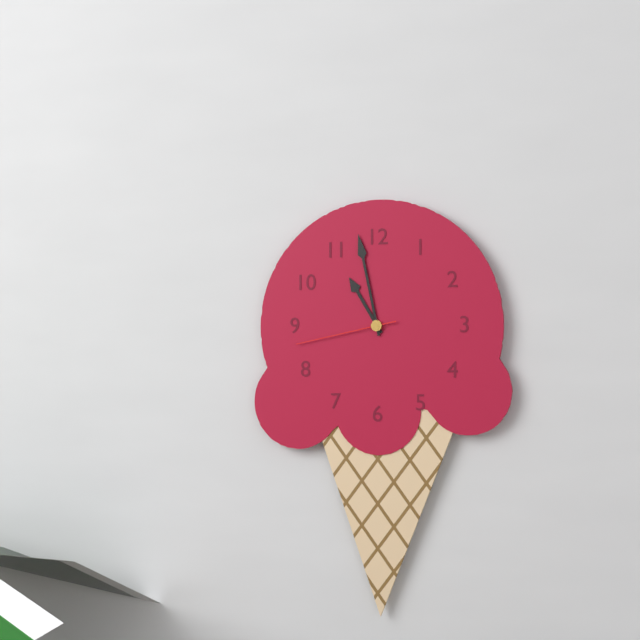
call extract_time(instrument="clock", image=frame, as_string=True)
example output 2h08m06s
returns 10h58m43s
